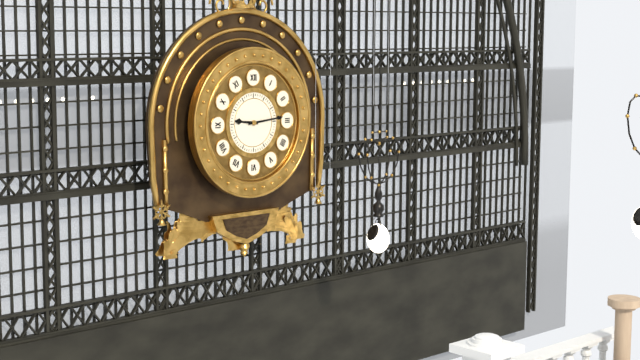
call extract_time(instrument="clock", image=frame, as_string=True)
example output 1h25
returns 9h14
